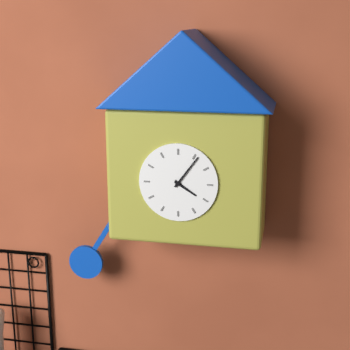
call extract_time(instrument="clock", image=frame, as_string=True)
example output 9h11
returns 4h06
